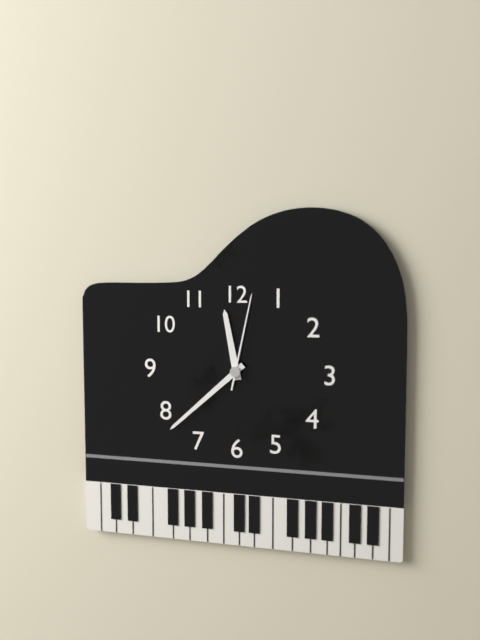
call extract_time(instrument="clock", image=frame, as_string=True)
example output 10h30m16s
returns 11h38m02s
